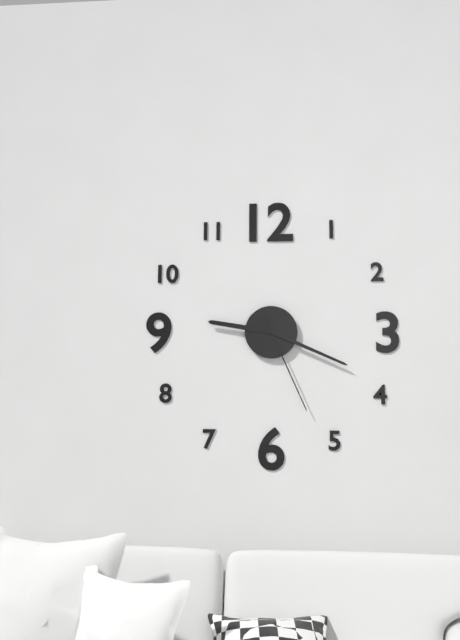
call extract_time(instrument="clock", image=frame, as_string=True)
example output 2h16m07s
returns 9h19m26s
